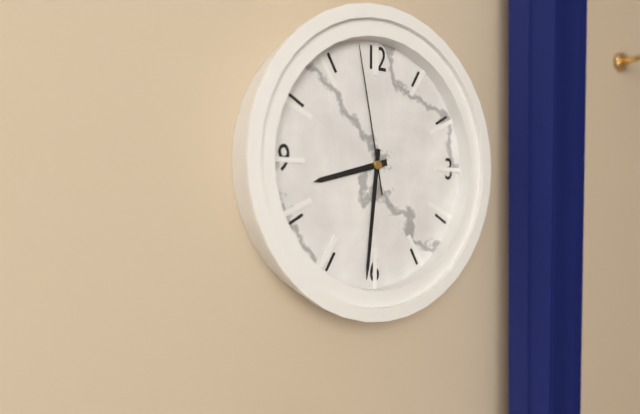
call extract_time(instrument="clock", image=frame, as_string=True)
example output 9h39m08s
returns 8h31m58s
